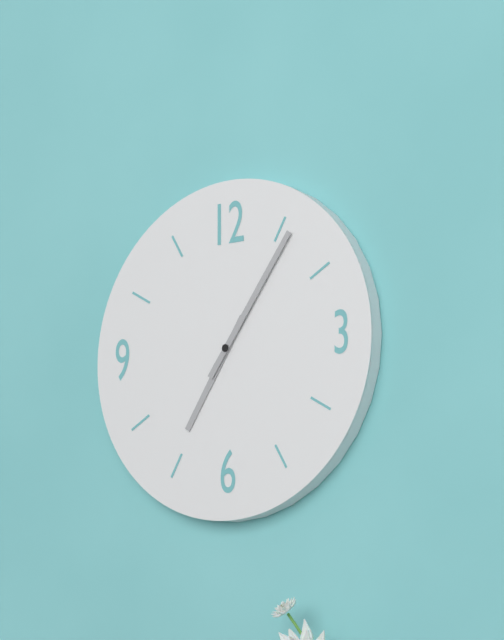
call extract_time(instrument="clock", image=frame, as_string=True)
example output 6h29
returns 7h06
